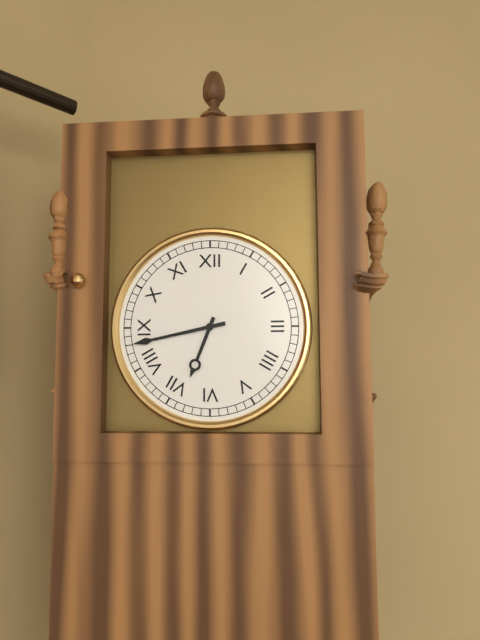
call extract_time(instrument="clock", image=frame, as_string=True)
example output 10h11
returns 6h43
